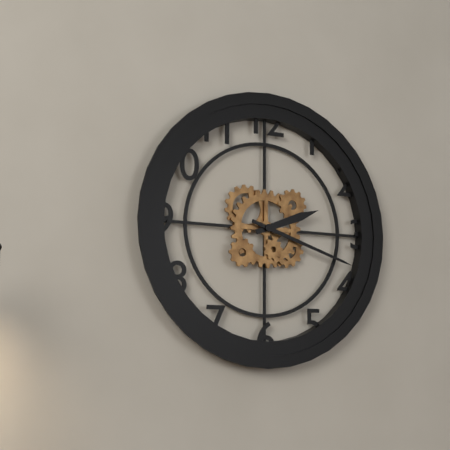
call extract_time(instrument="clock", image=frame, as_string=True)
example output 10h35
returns 2h18
